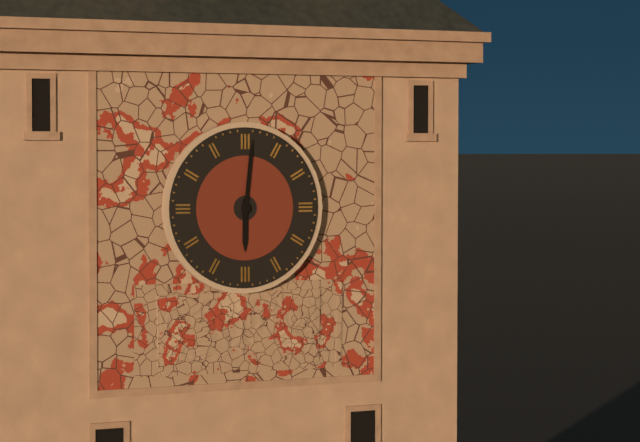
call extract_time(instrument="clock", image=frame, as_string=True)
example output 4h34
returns 6h01
